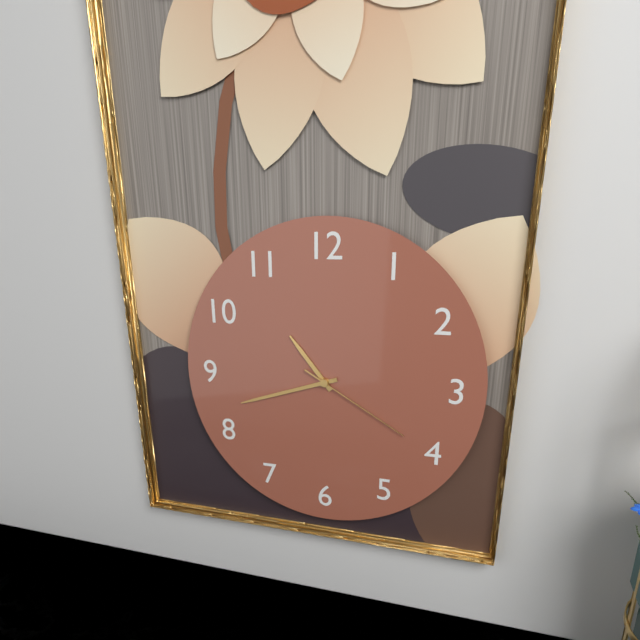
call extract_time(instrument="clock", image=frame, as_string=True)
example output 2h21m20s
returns 10h42m20s
